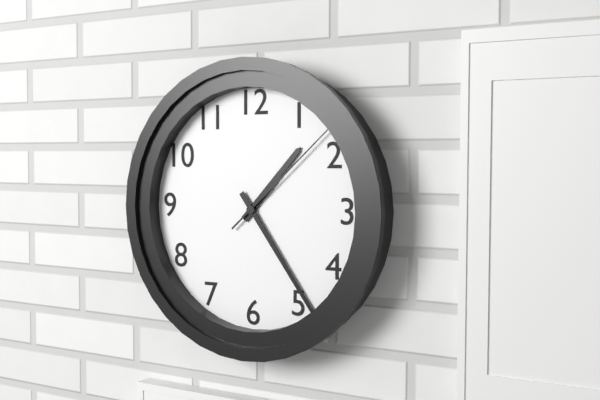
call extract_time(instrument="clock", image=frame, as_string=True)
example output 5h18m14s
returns 1h24m08s
